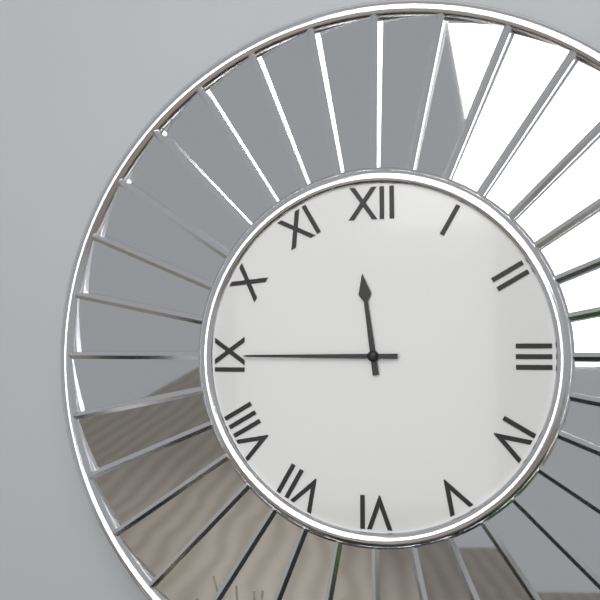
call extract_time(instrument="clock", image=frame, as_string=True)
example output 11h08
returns 11h45
